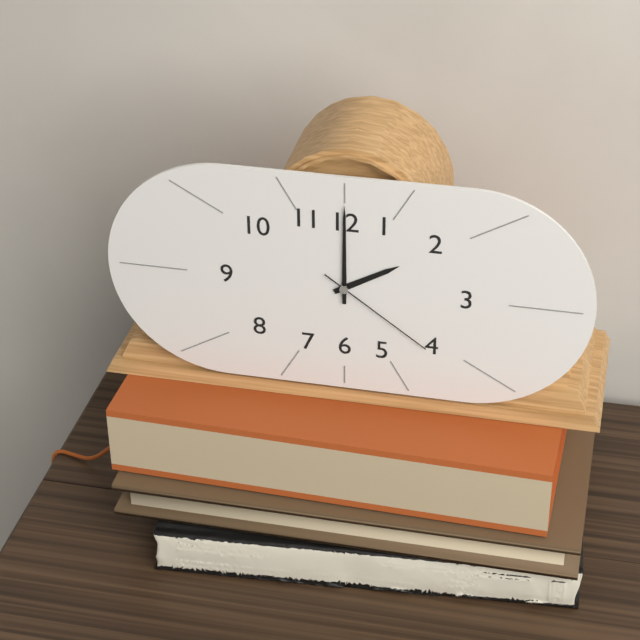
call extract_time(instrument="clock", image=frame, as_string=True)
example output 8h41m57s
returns 2h00m21s
